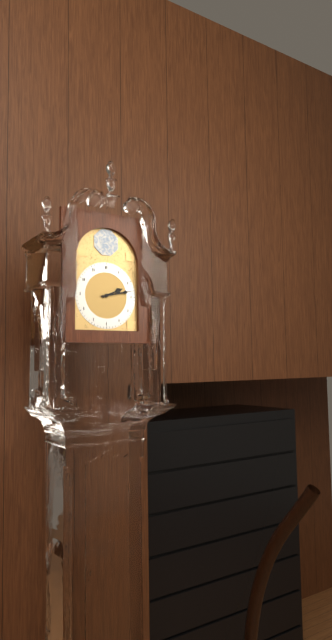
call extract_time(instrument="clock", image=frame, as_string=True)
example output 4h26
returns 2h13
